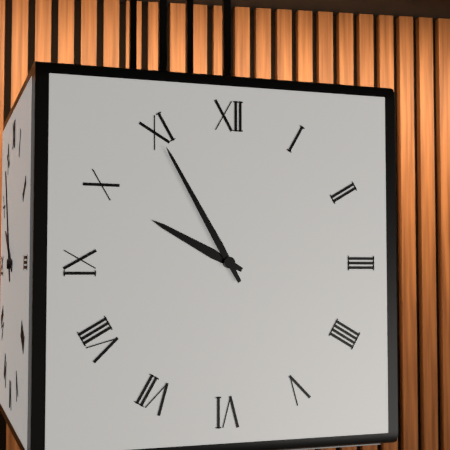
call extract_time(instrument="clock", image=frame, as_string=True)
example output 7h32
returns 9h55
